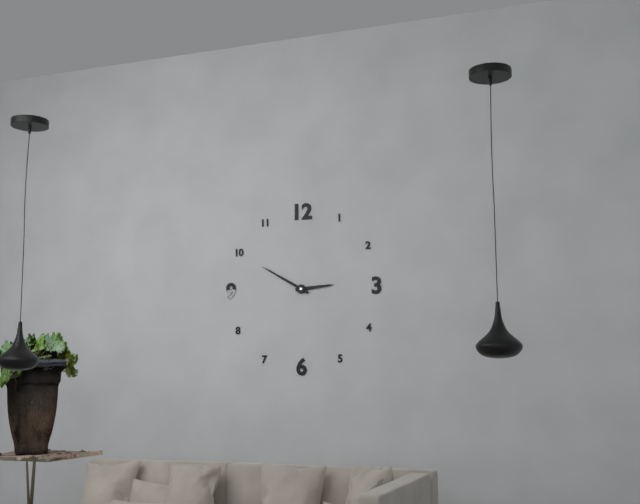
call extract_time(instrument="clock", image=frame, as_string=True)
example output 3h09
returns 2h50
